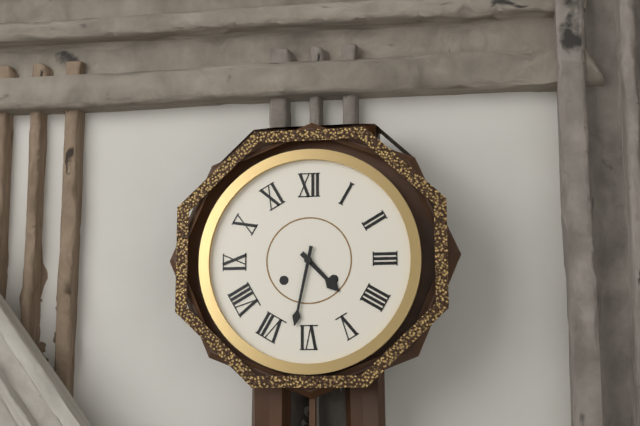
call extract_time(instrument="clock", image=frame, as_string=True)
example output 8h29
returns 4h32
